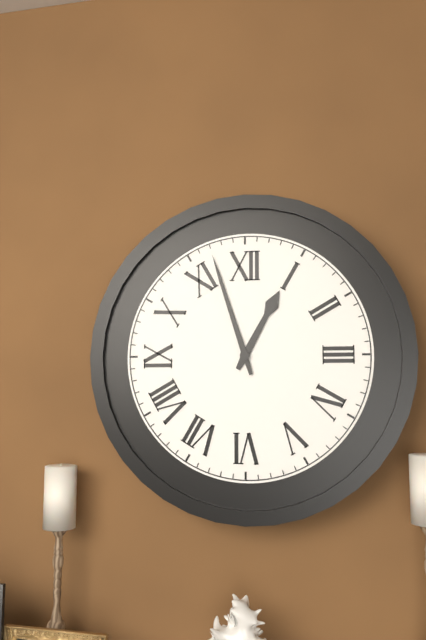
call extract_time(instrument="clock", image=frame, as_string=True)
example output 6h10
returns 12h57
